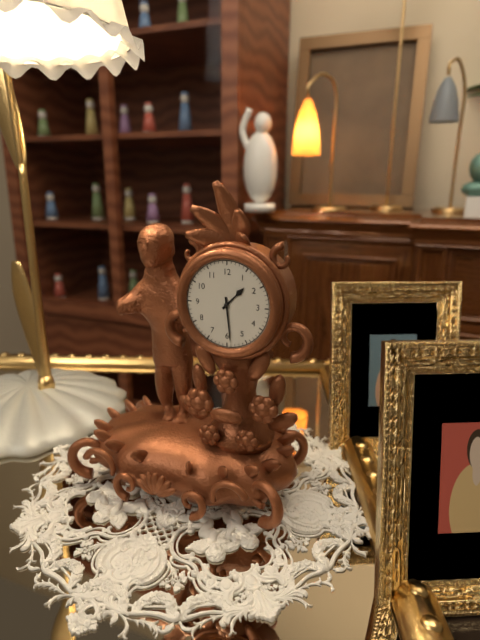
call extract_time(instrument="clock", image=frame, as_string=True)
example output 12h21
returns 1h29
